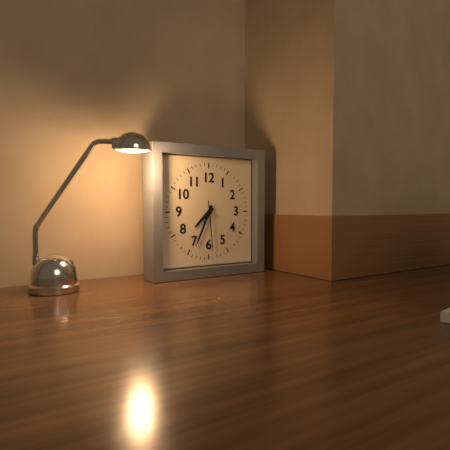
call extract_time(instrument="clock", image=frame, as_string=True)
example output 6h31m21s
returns 7h34m29s
